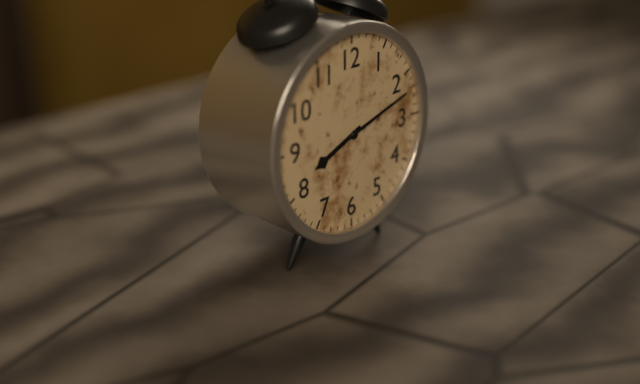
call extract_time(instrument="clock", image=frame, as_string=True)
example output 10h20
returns 8h12
